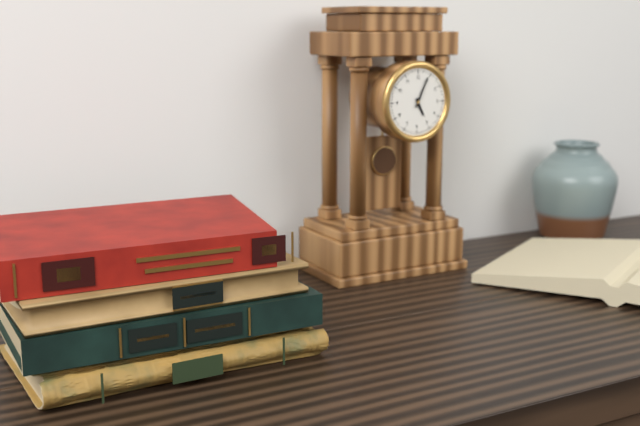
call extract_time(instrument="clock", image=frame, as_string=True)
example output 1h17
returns 5h04
